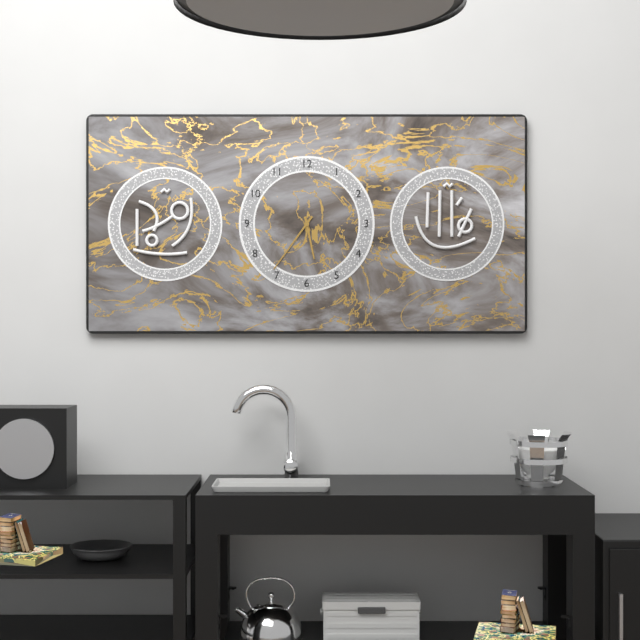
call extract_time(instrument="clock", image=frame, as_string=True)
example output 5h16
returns 5h36
